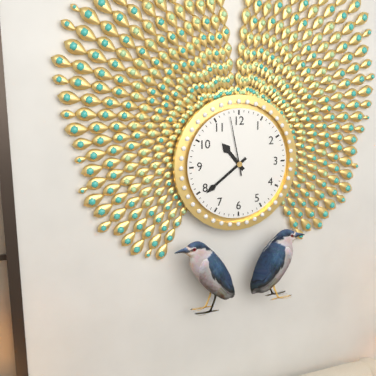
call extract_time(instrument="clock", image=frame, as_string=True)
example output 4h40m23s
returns 10h39m58s
